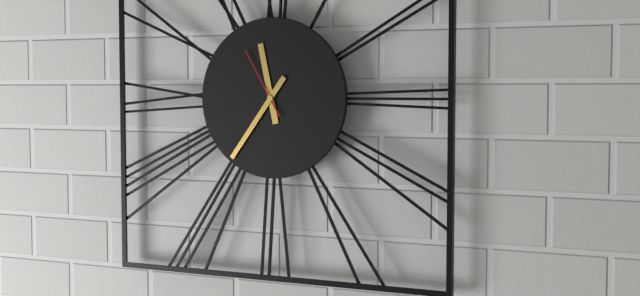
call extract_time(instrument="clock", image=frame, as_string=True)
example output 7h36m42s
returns 11h36m55s
